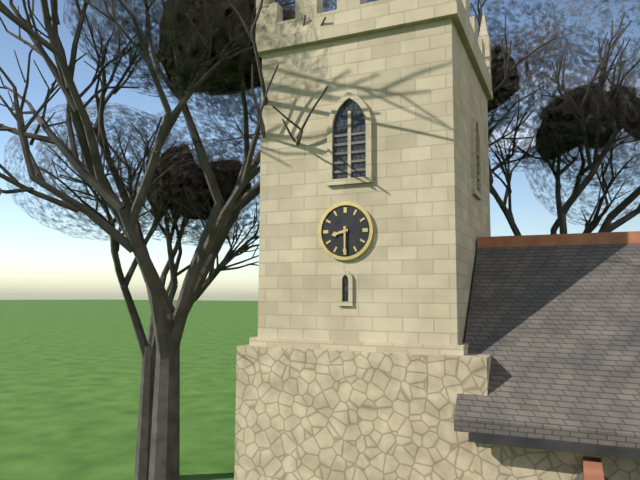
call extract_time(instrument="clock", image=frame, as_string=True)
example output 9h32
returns 8h30
